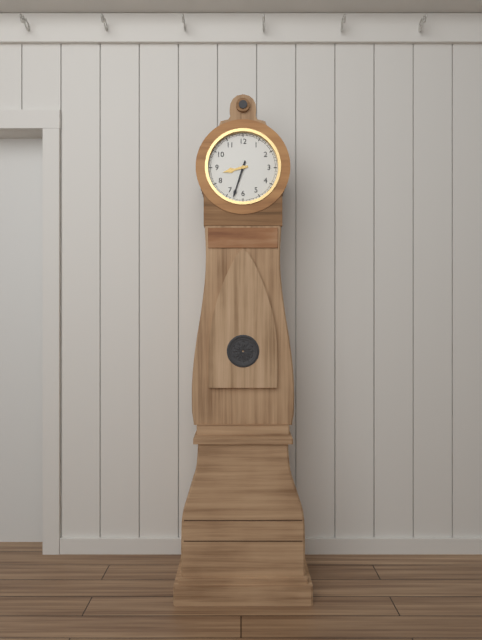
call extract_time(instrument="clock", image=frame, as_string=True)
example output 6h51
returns 8h33
